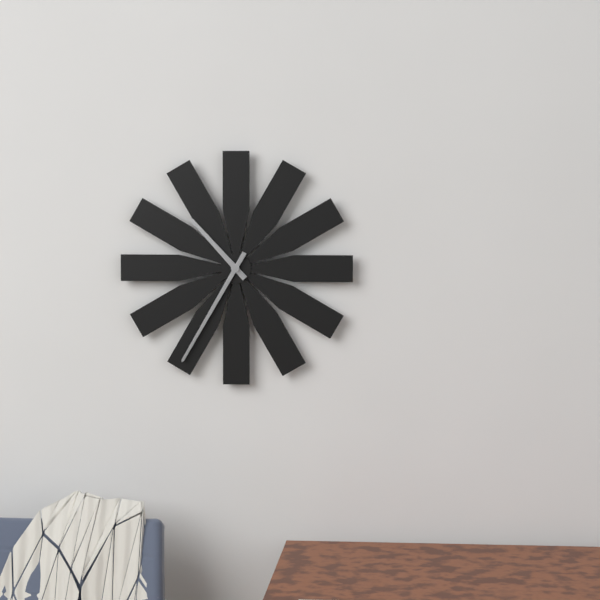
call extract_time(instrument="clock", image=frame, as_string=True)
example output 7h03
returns 10h35
